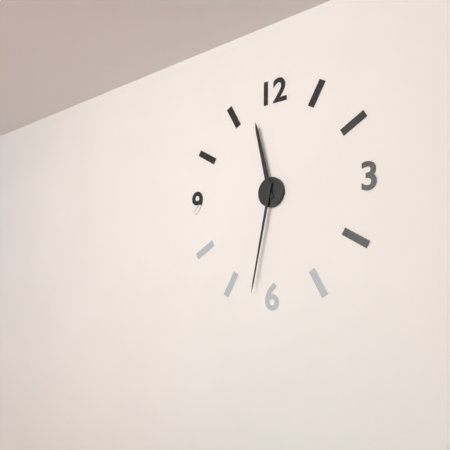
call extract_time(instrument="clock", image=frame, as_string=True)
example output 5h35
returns 11h32
